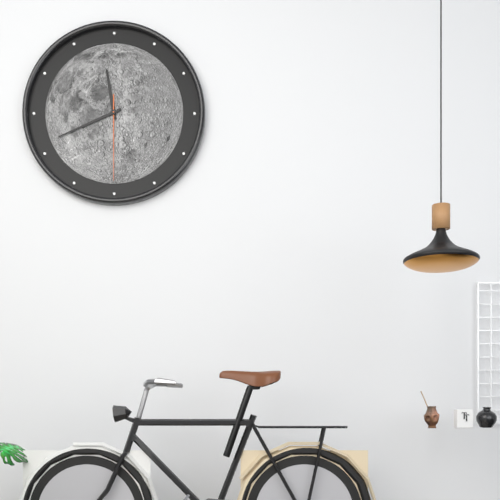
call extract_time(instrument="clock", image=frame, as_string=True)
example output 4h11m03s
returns 11h41m30s
